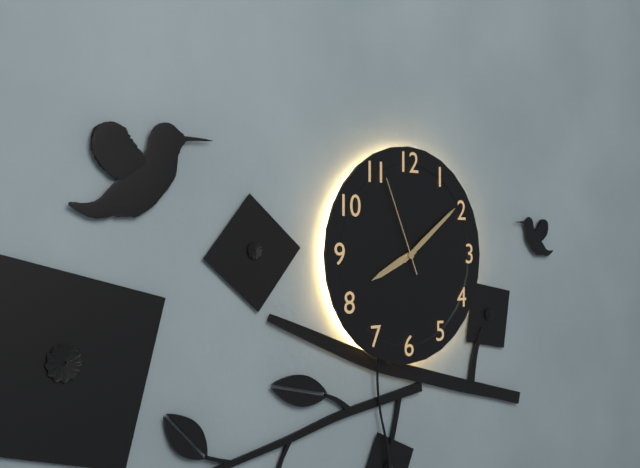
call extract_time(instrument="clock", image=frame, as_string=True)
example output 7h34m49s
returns 8h09m56s
